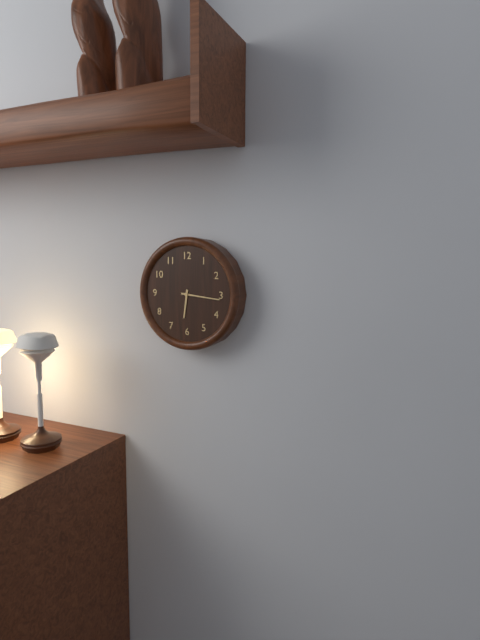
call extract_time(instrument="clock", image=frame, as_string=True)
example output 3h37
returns 6h16
